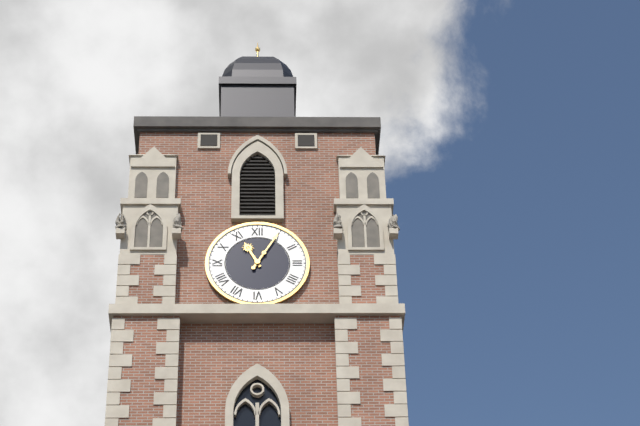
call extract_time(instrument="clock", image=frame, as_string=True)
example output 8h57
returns 11h05
